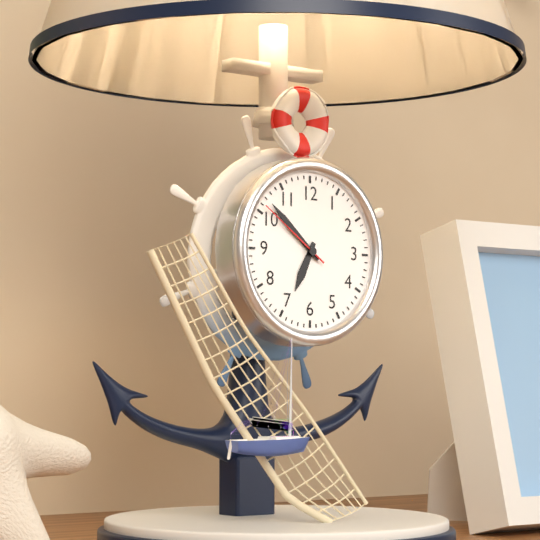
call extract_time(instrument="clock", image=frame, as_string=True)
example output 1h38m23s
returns 6h52m51s
